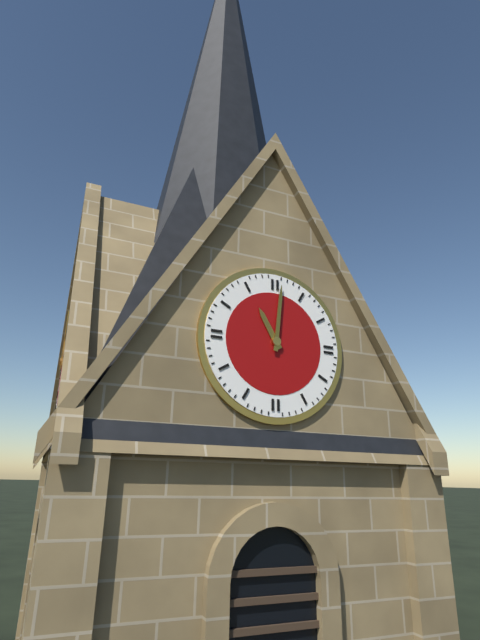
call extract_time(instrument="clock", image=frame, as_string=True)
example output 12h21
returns 11h01
